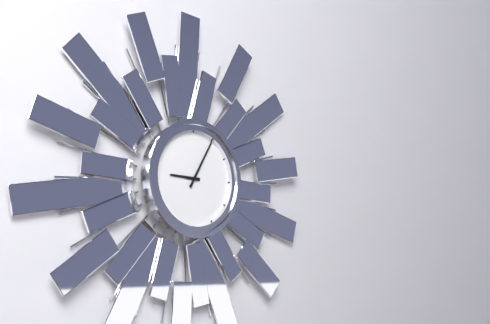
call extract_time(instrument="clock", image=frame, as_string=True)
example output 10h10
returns 9h05
